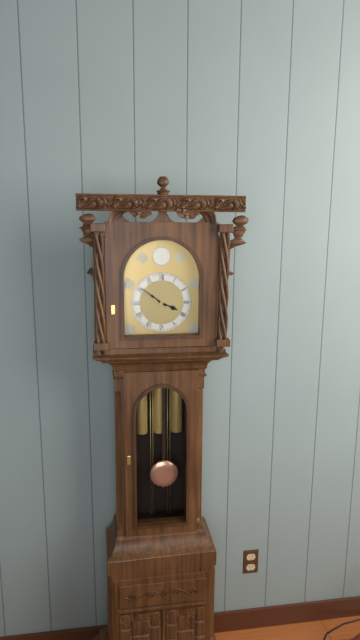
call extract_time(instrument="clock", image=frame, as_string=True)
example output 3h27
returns 3h51
